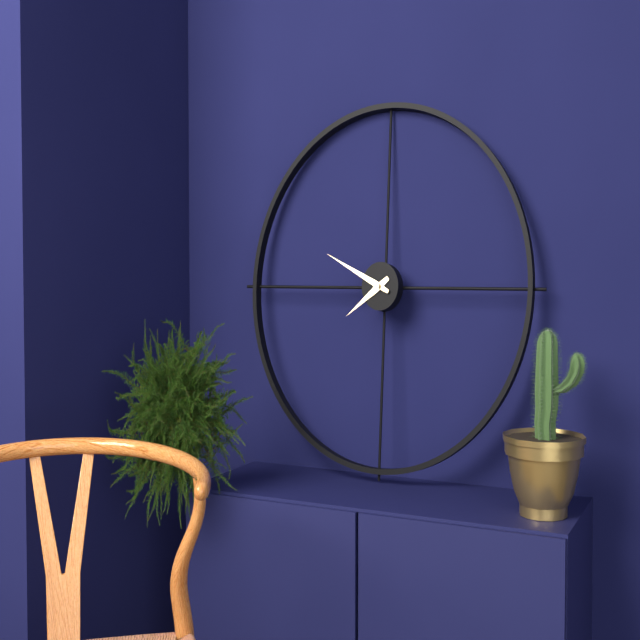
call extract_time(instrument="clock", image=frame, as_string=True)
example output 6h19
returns 7h49
